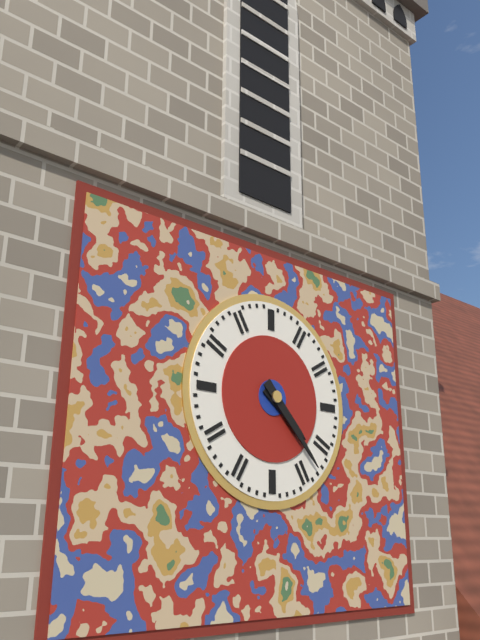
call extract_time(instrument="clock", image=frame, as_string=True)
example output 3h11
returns 4h23
